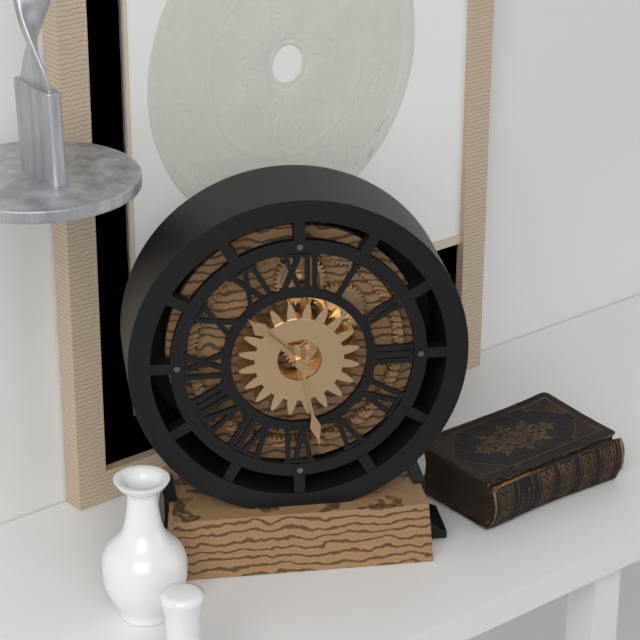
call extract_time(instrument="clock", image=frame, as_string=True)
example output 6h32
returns 10h28
